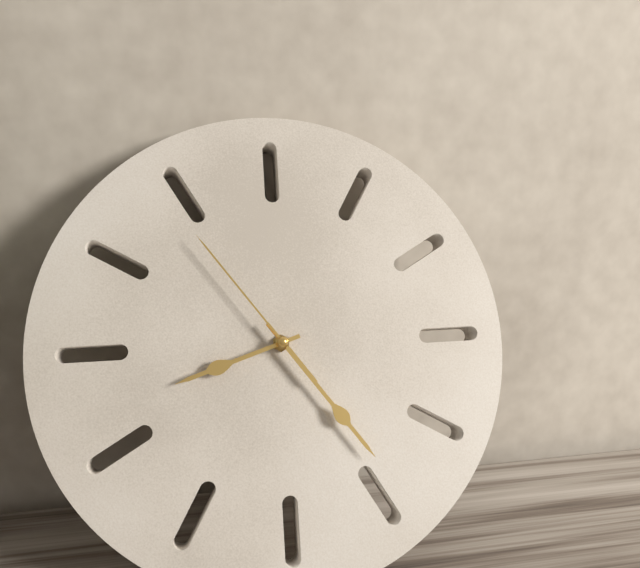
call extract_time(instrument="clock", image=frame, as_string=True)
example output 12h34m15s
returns 8h24m54s
